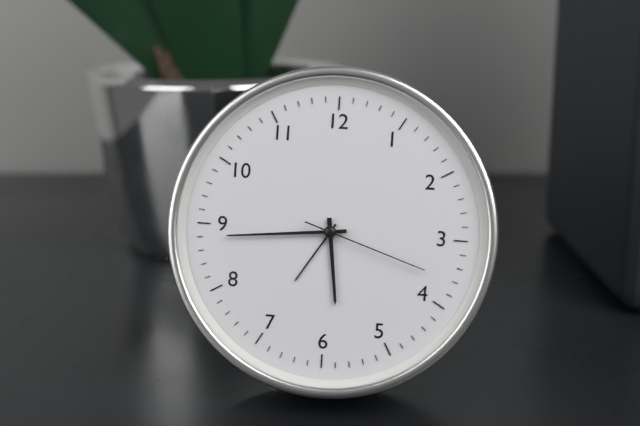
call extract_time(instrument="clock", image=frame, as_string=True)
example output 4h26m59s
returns 5h44m18s
